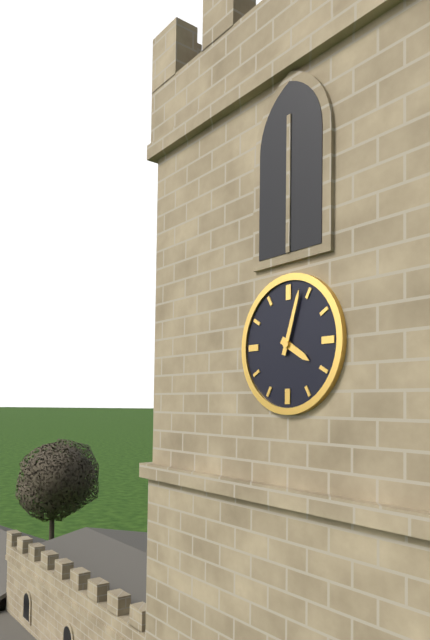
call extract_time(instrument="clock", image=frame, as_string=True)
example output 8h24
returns 4h03
